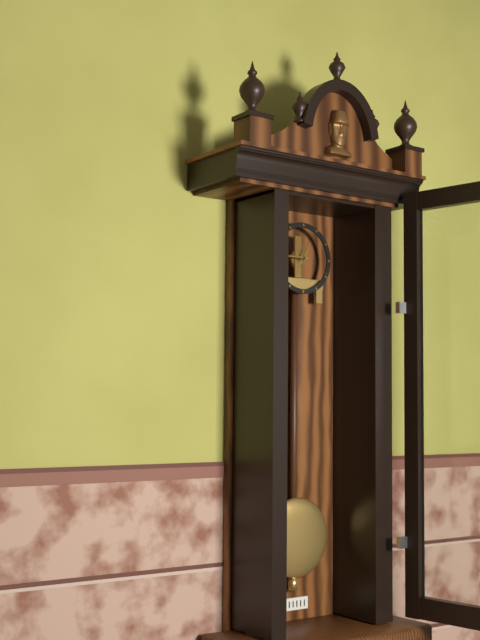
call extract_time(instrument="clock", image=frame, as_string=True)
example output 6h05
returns 12h45
